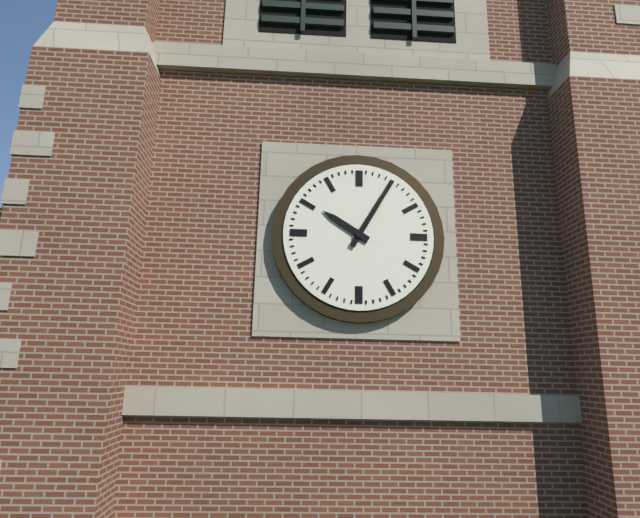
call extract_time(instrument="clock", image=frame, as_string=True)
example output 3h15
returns 10h05
